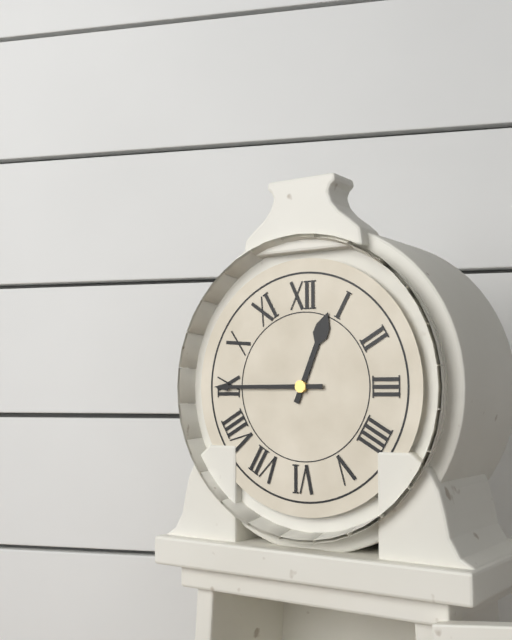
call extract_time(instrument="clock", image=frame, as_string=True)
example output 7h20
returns 12h45
